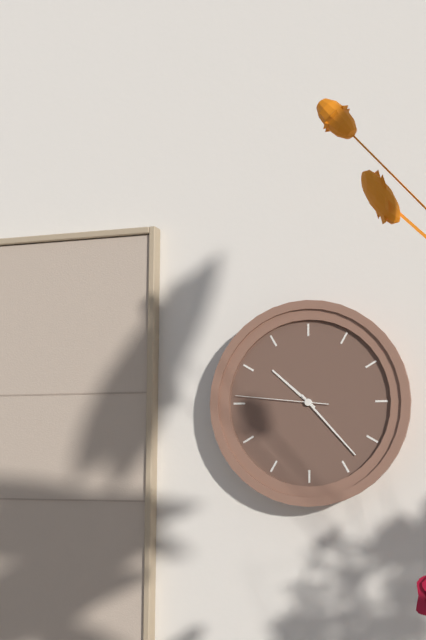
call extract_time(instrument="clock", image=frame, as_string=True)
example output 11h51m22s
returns 10h23m46s
